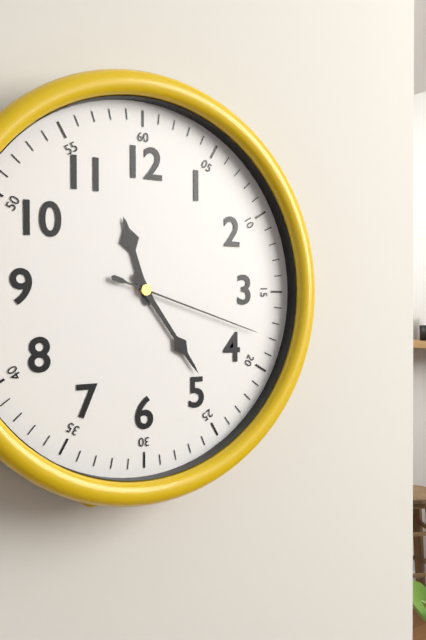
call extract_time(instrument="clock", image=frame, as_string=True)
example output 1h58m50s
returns 11h24m18s
